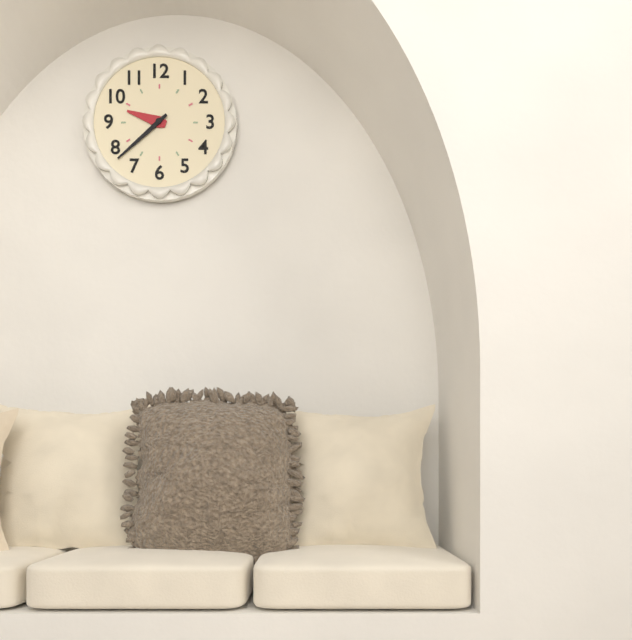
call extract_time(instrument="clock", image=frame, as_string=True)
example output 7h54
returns 9h38
